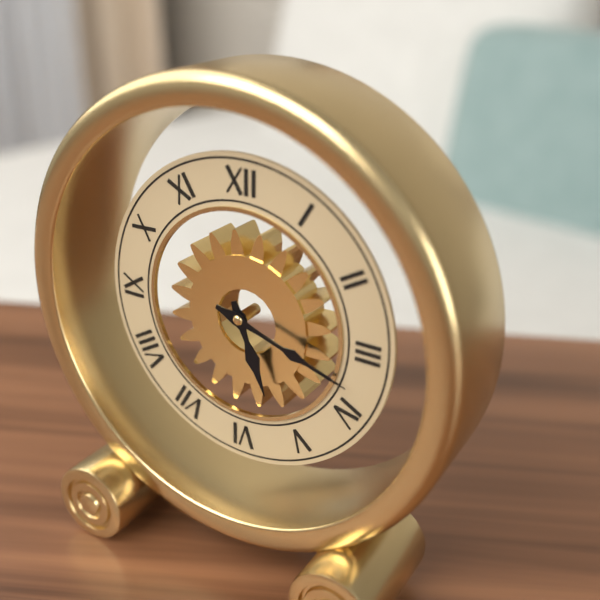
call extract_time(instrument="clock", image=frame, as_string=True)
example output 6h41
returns 5h18
